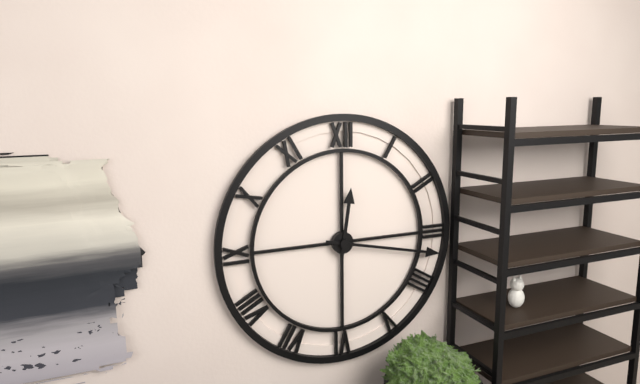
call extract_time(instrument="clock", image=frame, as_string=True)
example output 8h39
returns 12h17
